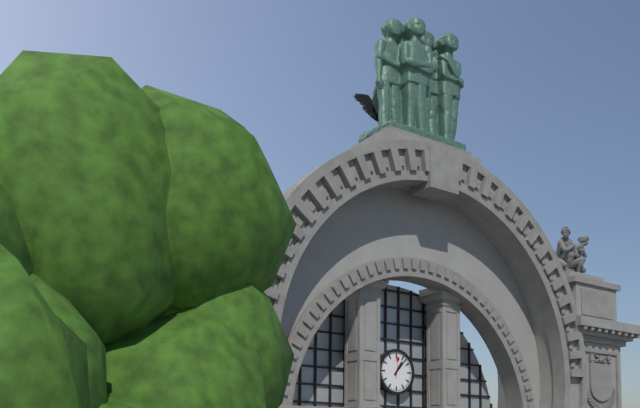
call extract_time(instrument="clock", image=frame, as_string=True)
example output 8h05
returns 1h07
